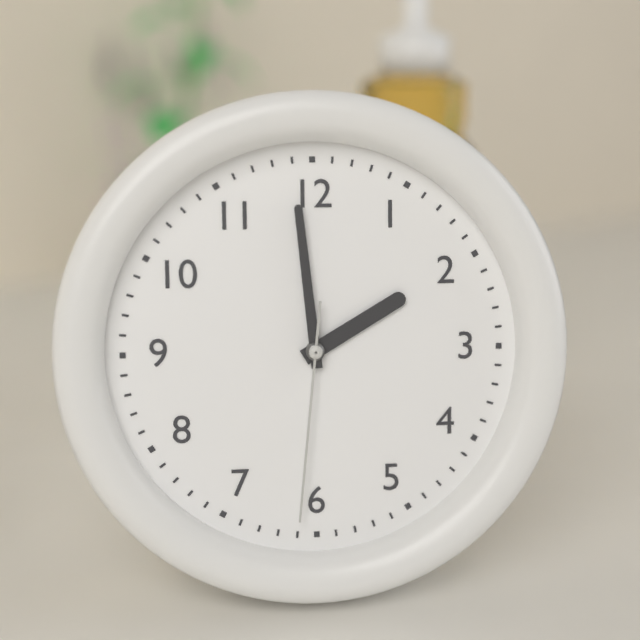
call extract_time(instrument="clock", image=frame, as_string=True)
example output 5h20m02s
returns 1h59m31s
